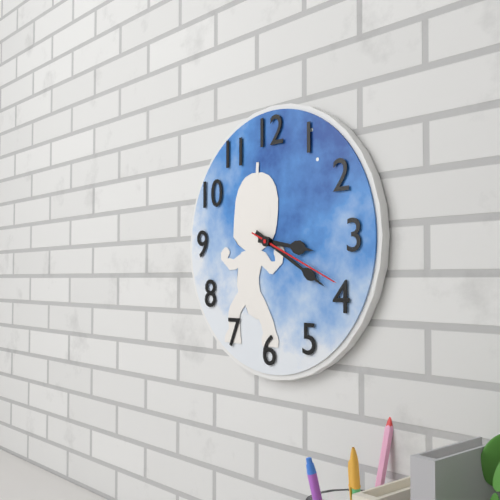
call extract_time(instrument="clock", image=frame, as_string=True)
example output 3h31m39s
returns 3h20m19s
